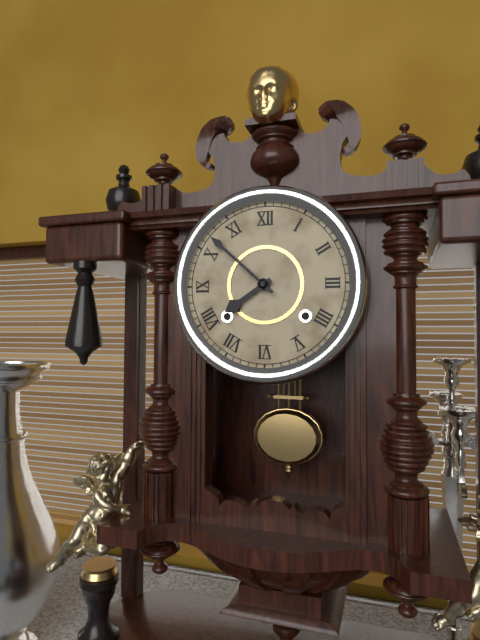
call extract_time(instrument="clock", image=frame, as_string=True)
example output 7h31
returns 7h52
